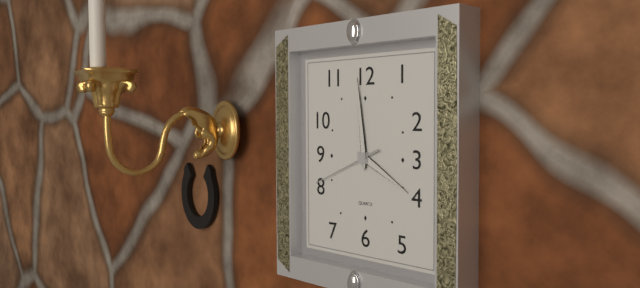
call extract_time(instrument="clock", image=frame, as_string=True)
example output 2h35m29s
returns 3h59m41s
